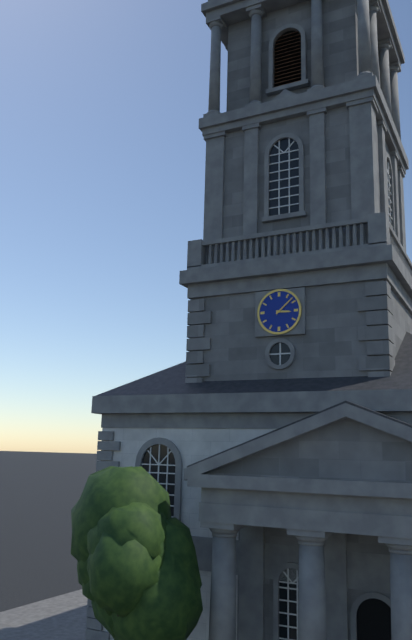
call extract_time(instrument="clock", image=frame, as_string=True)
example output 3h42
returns 3h08
